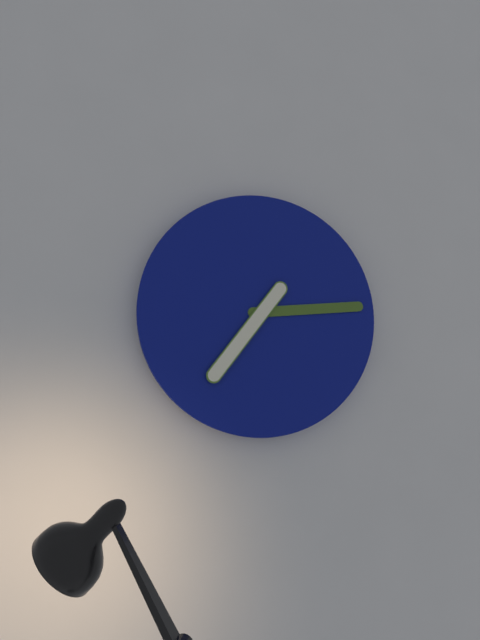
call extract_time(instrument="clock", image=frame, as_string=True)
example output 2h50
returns 7h14
